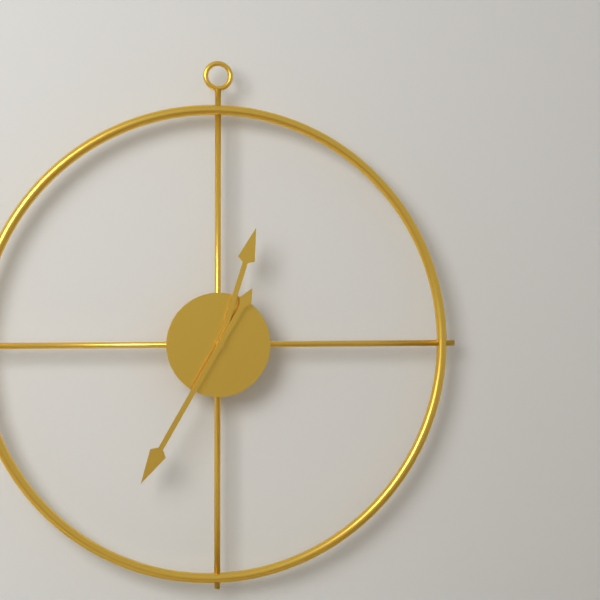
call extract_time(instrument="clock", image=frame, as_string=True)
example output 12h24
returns 12h35
